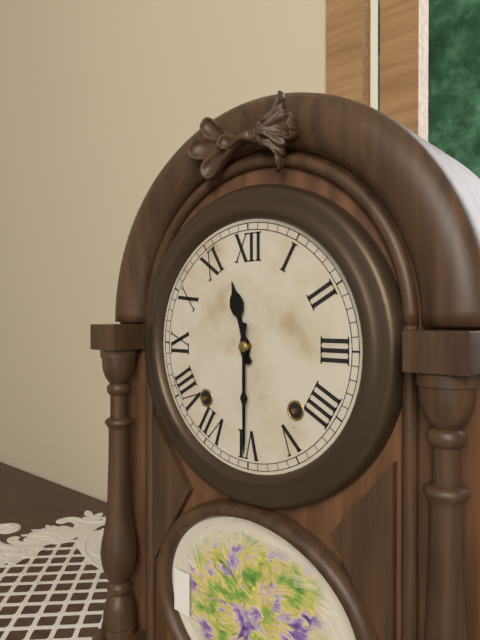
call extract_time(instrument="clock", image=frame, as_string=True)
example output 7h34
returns 11h30
